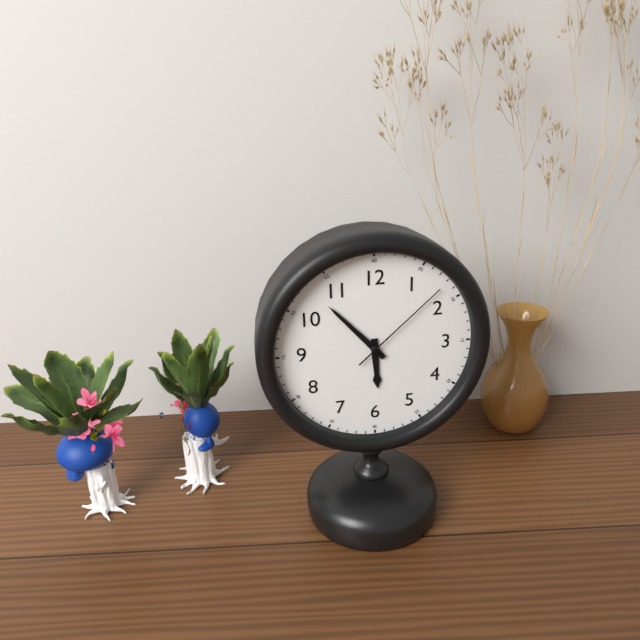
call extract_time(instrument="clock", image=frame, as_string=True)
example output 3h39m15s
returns 5h53m08s
